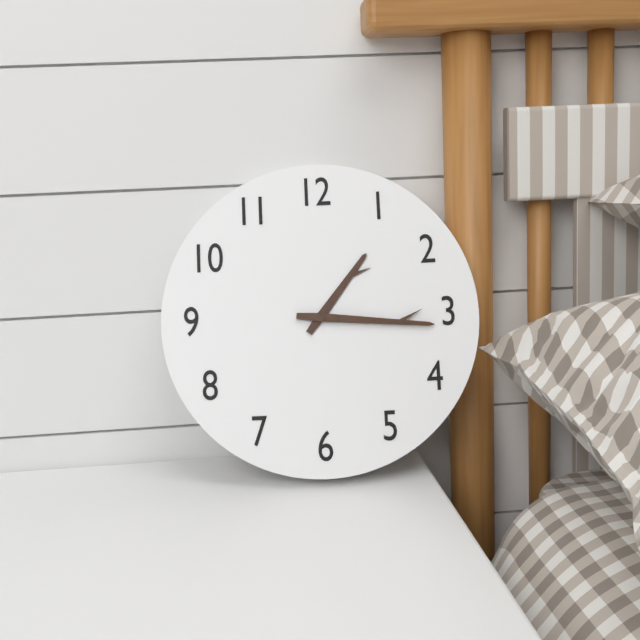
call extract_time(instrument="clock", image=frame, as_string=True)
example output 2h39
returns 1h16
